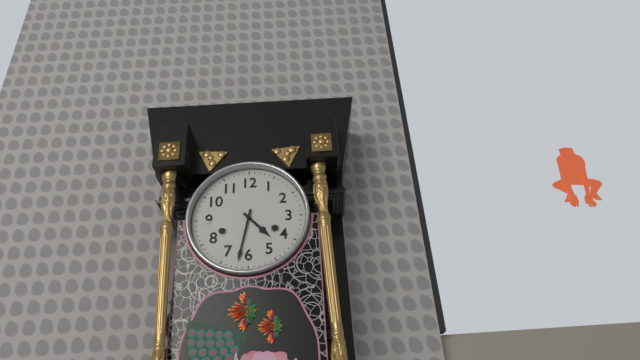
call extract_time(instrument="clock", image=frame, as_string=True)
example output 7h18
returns 4h32
